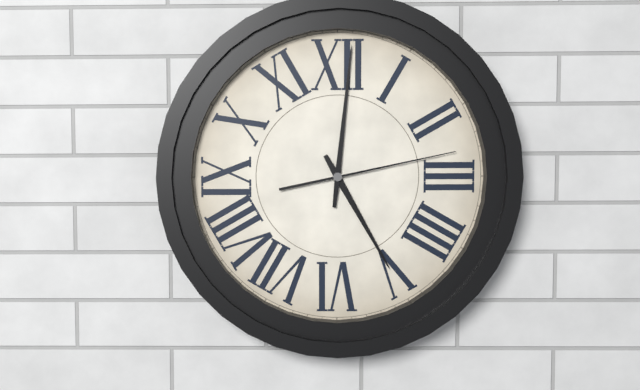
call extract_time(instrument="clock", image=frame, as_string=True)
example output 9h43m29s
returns 5h01m13s
